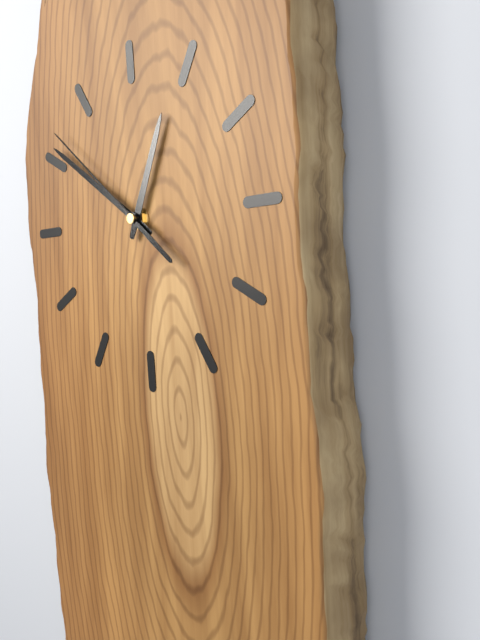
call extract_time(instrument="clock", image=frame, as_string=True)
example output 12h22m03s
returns 12h51m52s
